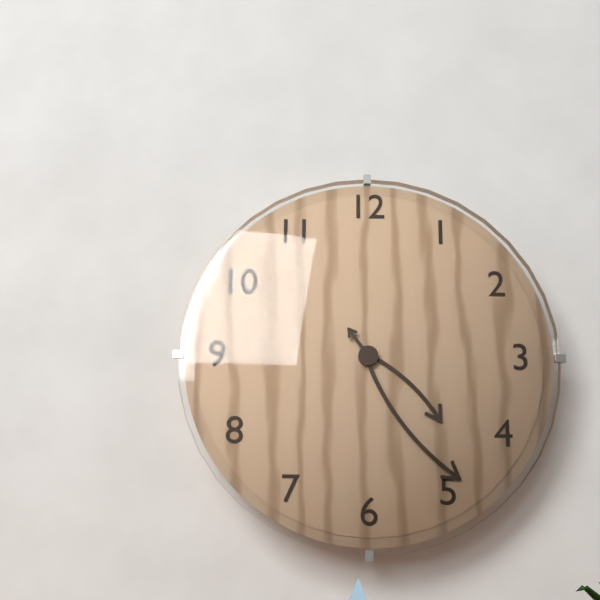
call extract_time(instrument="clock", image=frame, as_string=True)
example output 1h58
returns 4h24
